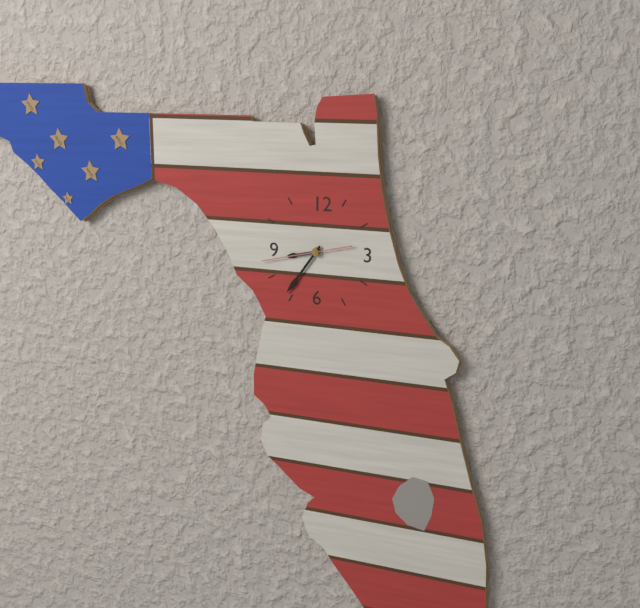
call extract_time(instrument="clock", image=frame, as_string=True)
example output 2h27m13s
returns 8h36m43s
